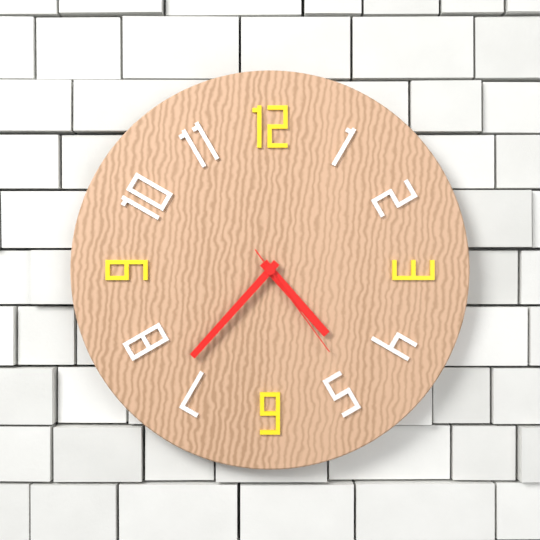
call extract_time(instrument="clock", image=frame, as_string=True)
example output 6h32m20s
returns 4h37m24s
